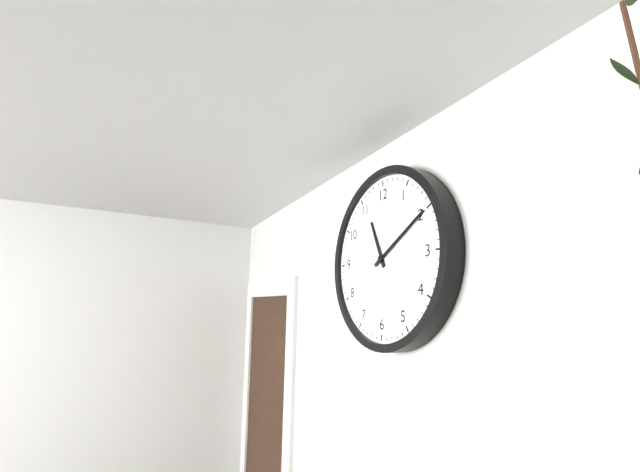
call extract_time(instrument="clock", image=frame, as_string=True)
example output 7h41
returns 11h10
